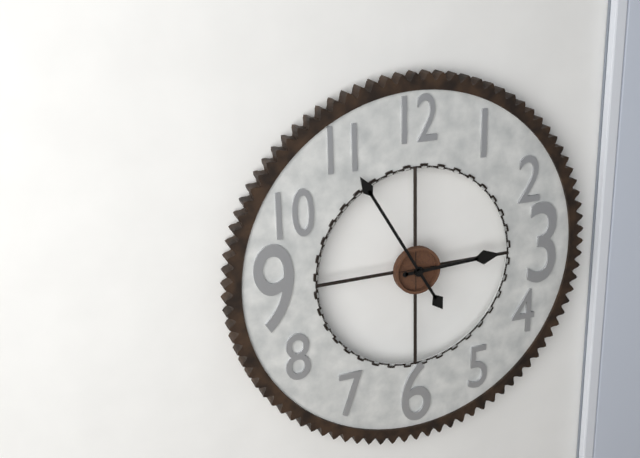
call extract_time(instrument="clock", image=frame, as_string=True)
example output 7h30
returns 2h55
